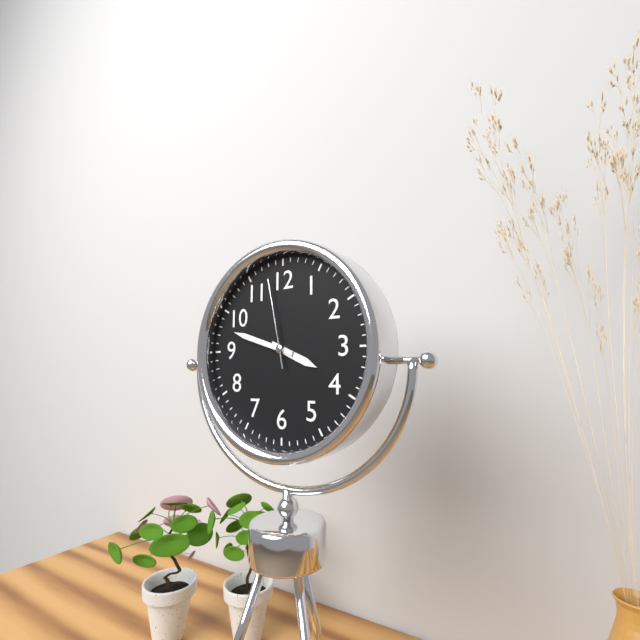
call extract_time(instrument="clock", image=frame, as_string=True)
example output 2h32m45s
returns 3h48m58s
